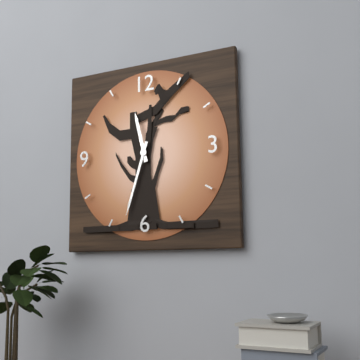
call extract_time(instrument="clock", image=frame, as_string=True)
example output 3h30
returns 11h33
